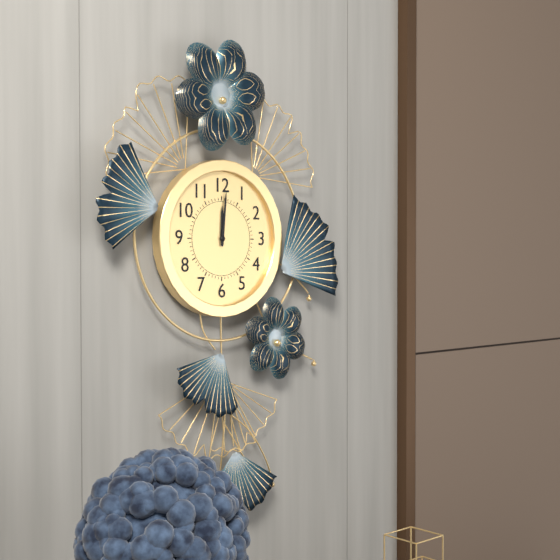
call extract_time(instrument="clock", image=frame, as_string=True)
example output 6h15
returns 12h01
